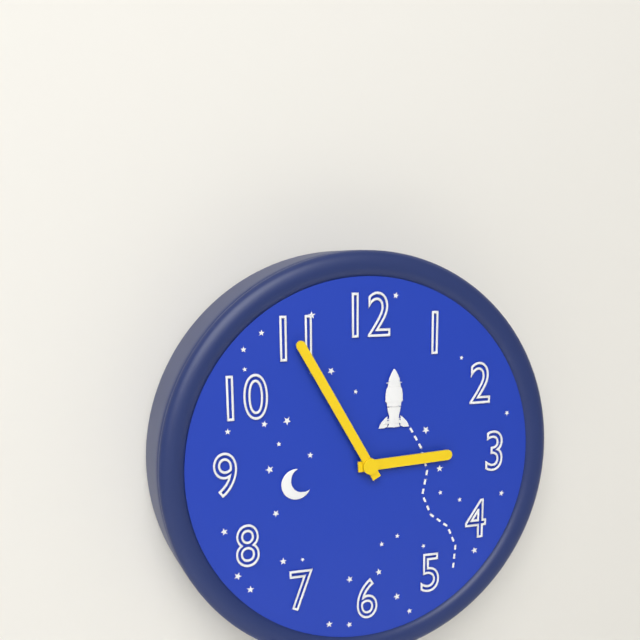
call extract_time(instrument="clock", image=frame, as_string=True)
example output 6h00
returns 2h55
